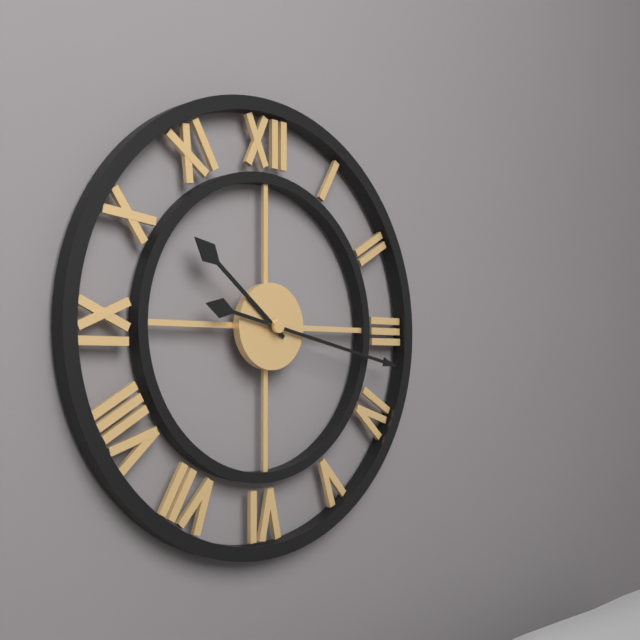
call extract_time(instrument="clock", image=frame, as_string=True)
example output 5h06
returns 10h17
